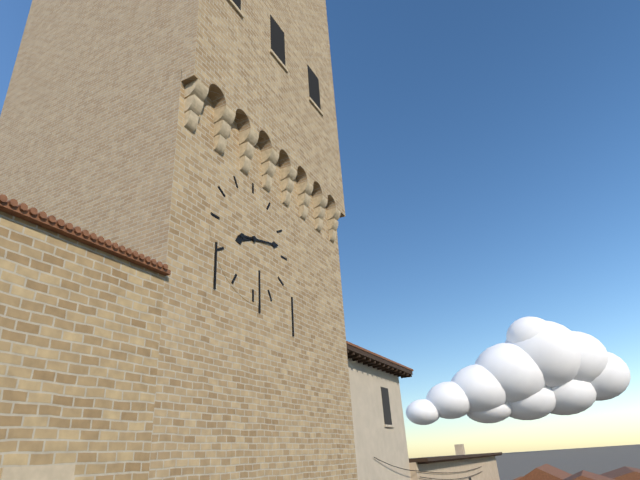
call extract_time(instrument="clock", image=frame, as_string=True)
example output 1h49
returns 8h13
